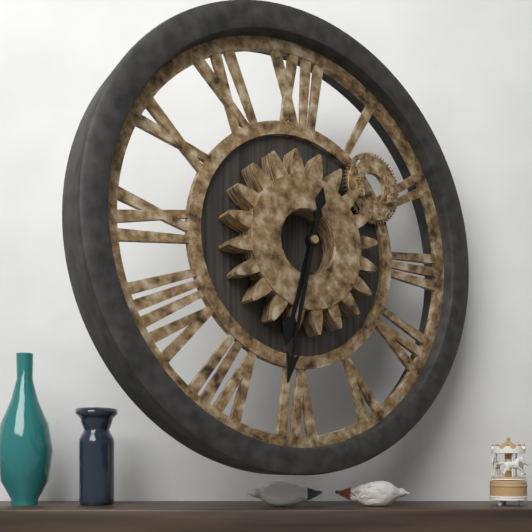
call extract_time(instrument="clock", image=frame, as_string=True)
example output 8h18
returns 6h32
